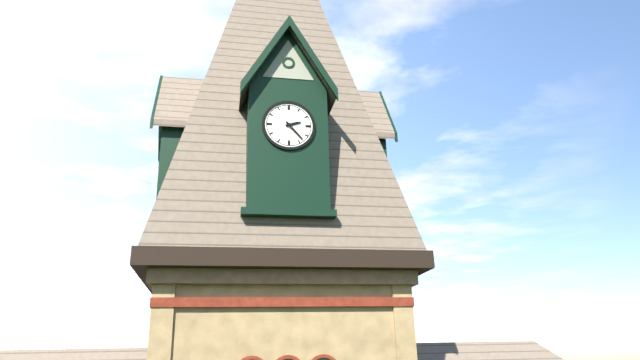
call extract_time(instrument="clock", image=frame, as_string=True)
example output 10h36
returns 2h23
